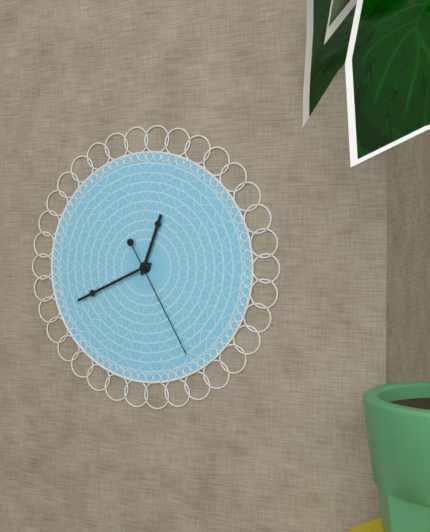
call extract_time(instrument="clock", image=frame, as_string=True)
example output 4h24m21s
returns 12h41m25s
